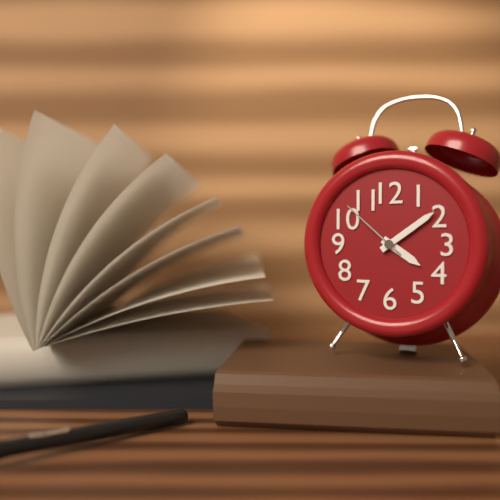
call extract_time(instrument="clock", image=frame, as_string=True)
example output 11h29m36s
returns 4h09m52s
